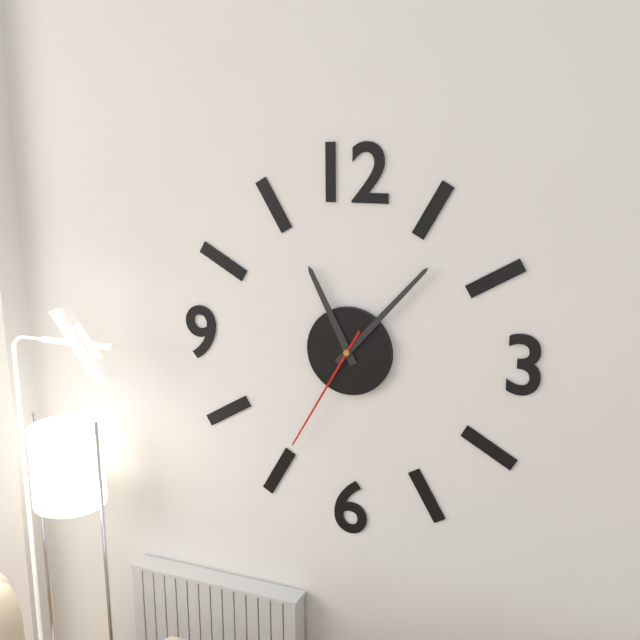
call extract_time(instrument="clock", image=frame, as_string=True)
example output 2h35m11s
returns 11h07m35s
